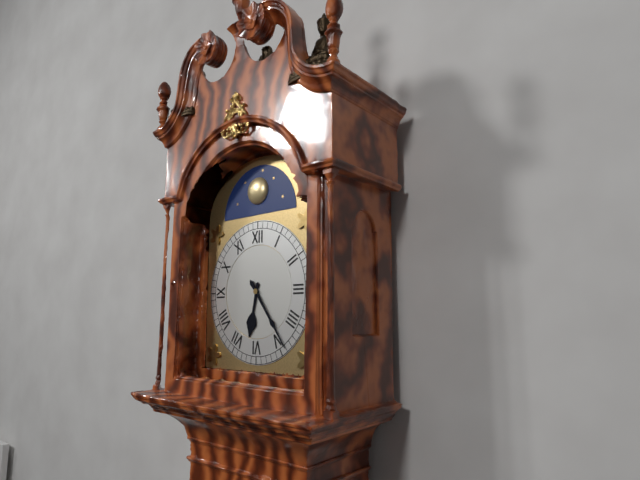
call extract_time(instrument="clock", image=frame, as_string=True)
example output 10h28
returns 6h24
